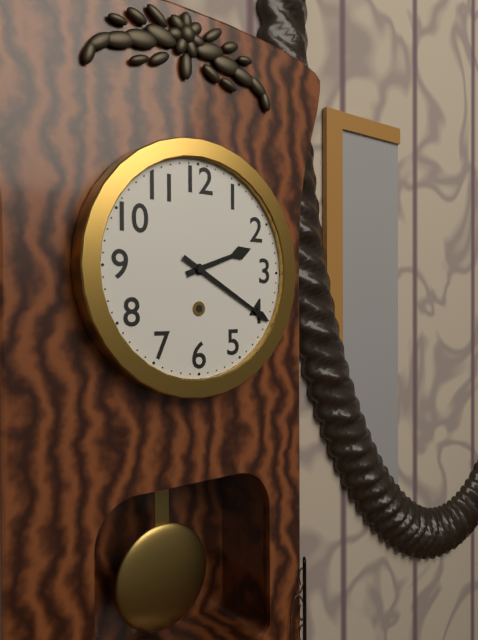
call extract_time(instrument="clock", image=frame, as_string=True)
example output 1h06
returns 2h20
